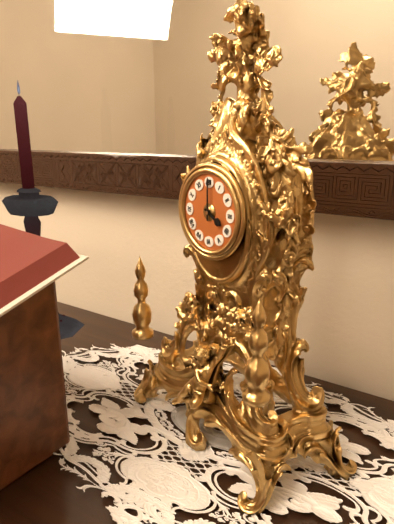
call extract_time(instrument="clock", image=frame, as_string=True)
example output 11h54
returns 4h00
